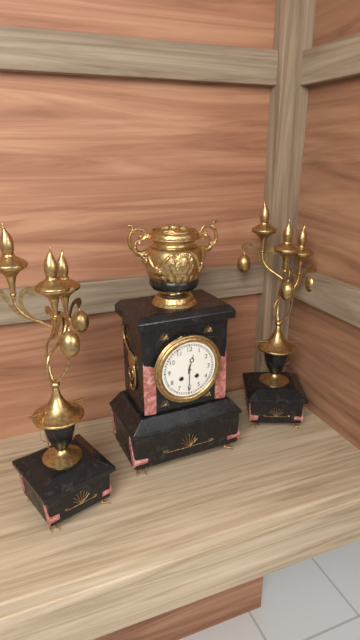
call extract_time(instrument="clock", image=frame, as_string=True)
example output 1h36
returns 12h30
